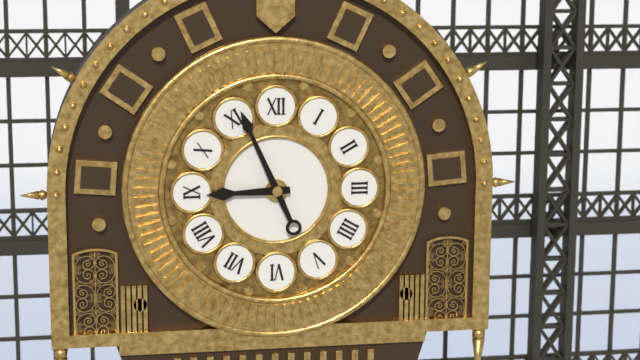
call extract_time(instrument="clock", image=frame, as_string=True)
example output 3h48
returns 8h56
